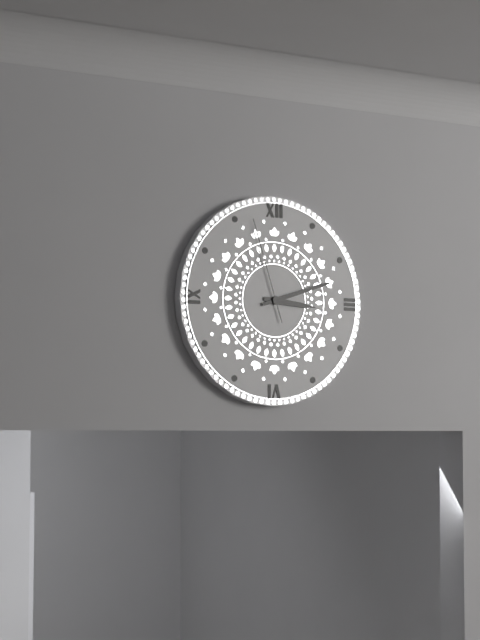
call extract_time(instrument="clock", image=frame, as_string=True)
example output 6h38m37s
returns 3h12m57s
